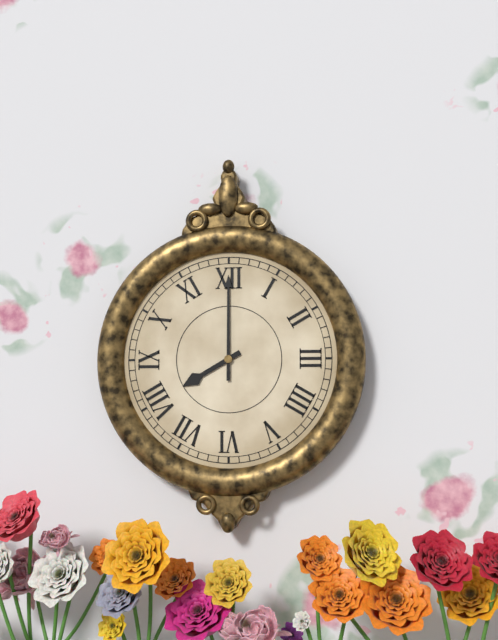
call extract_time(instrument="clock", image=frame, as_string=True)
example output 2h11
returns 8h00
